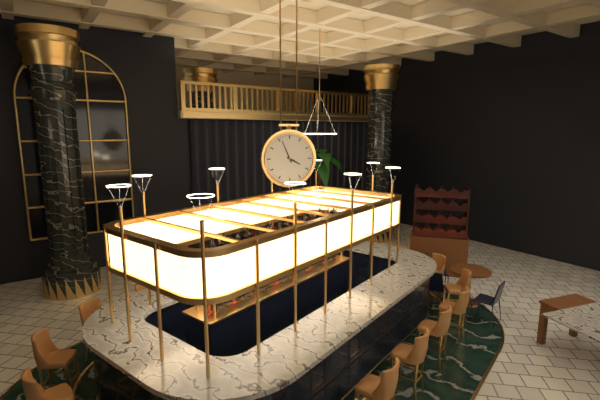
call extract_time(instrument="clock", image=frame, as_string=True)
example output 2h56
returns 3h56
